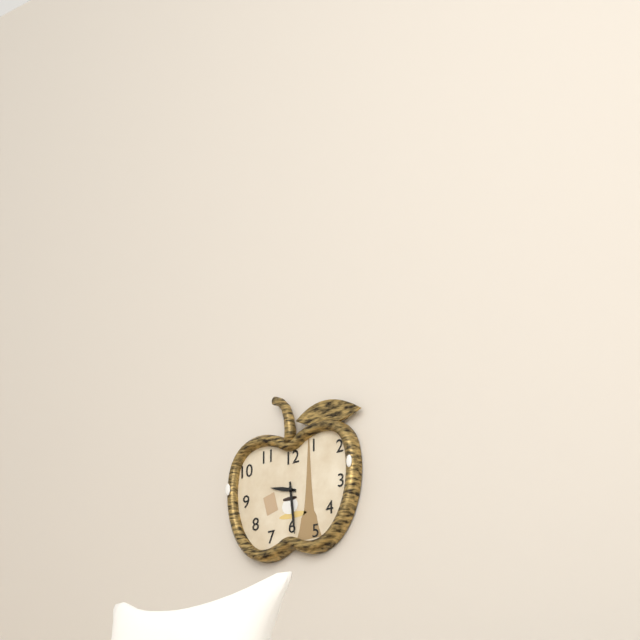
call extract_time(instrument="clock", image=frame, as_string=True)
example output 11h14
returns 9h29
